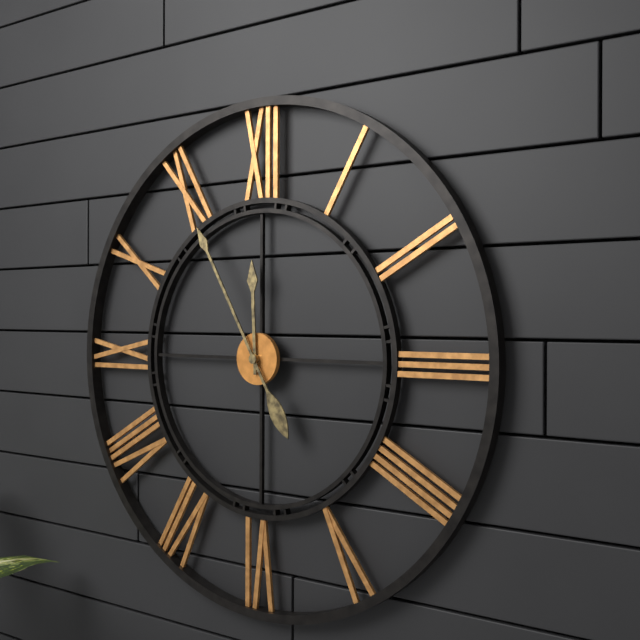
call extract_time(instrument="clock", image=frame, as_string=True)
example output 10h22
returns 11h55
